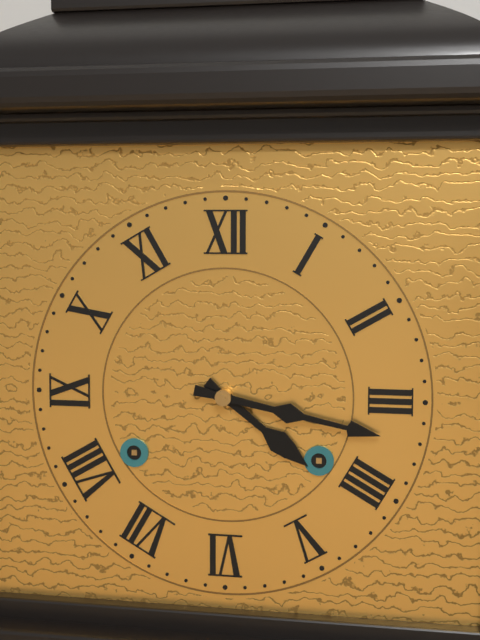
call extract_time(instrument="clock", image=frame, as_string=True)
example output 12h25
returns 4h17
